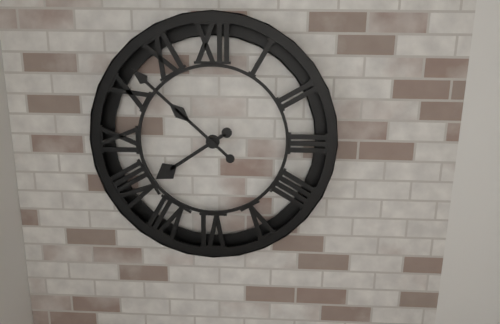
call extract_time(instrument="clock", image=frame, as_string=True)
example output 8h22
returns 7h52
